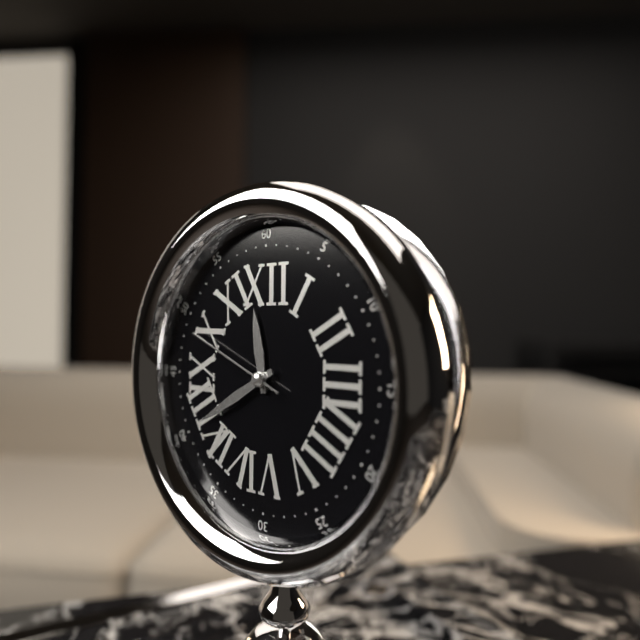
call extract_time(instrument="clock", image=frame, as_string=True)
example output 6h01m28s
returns 11h40m49s
